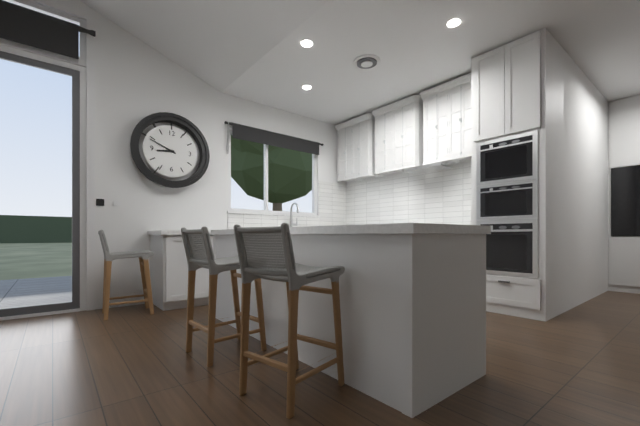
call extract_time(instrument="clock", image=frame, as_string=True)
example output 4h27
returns 8h49
